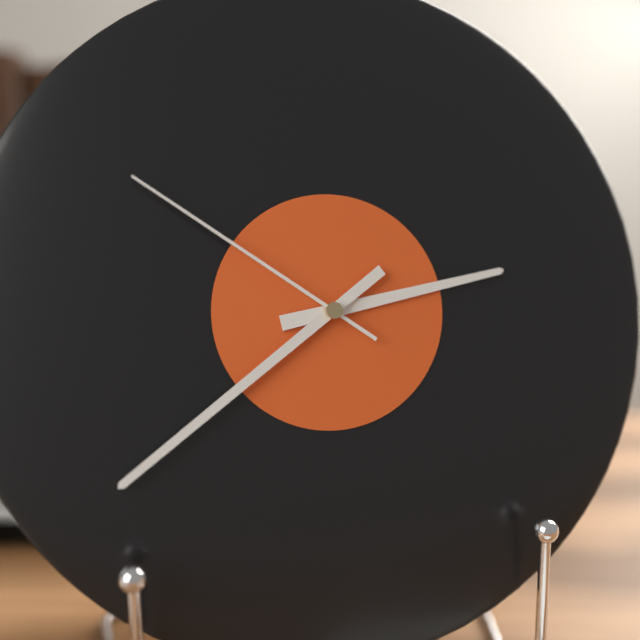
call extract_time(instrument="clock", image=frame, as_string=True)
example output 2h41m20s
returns 2h39m51s
